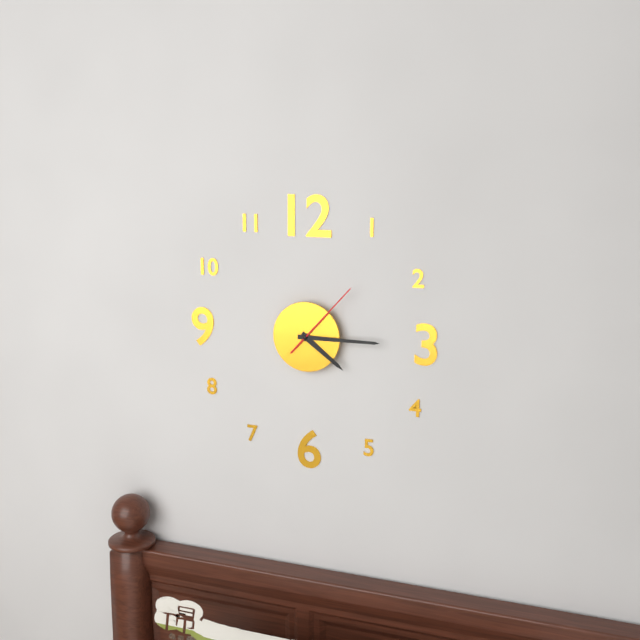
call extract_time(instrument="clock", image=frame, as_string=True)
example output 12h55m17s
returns 4h15m07s
